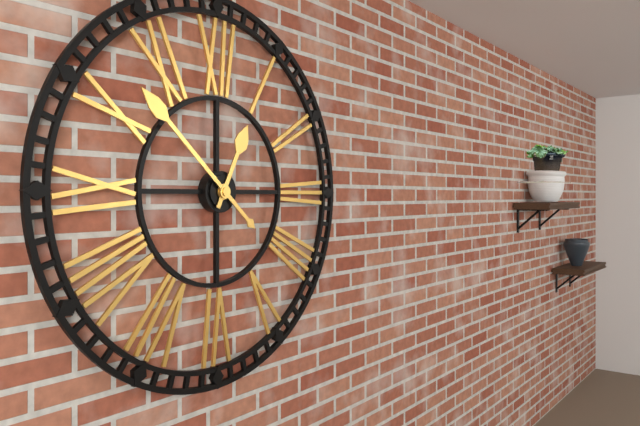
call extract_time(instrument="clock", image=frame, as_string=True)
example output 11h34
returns 12h52
